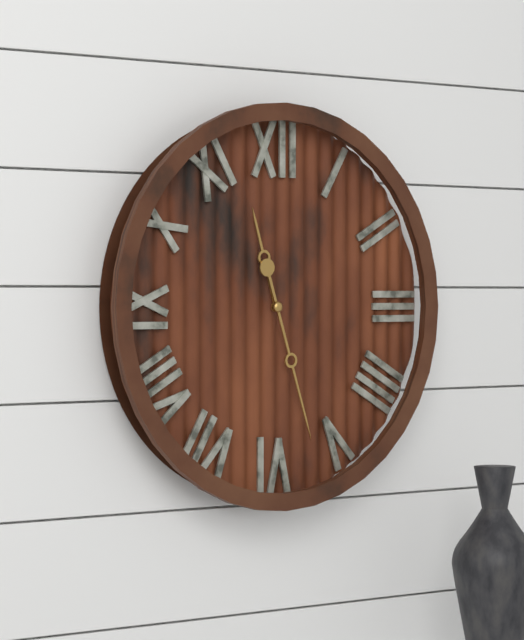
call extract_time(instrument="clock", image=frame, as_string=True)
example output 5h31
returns 11h27
